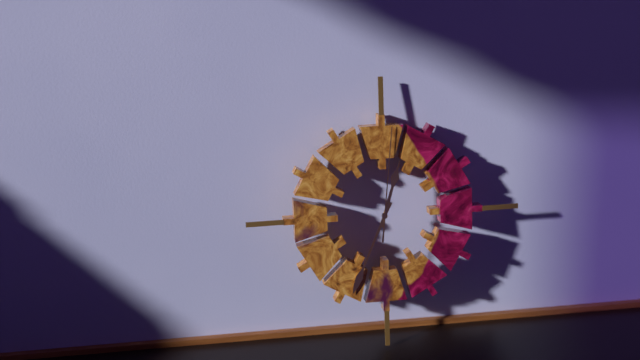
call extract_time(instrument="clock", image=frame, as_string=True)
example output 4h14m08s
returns 12h34m01s
